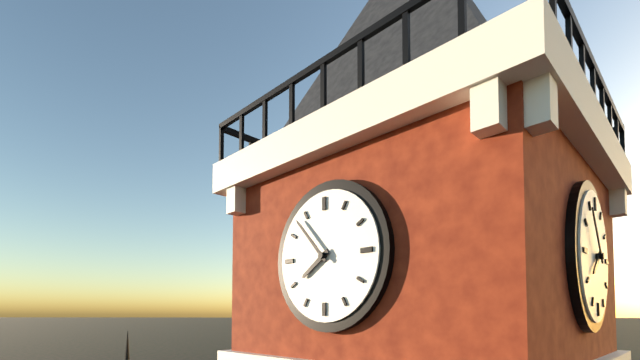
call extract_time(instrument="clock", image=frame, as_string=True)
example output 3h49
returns 7h53
